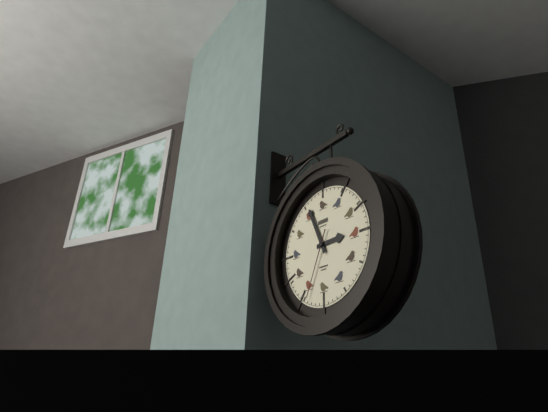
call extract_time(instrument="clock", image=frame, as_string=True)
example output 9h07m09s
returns 2h56m34s
